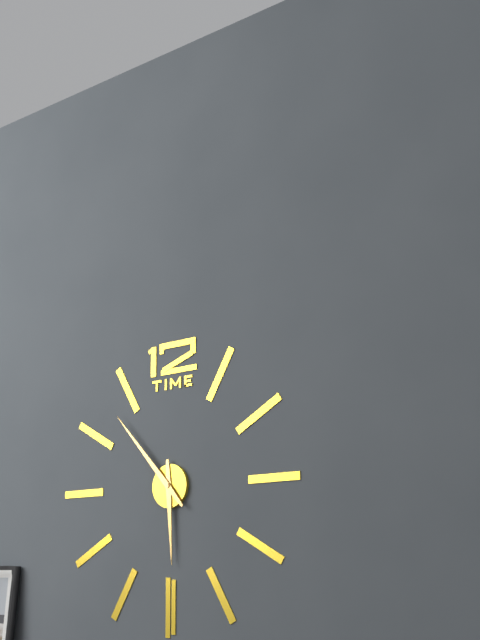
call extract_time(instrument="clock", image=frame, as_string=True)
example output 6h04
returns 5h53
